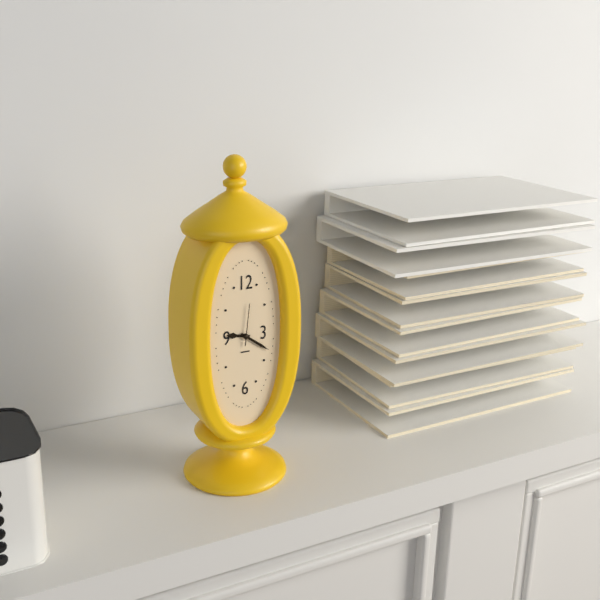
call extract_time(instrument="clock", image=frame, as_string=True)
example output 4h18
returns 9h21
